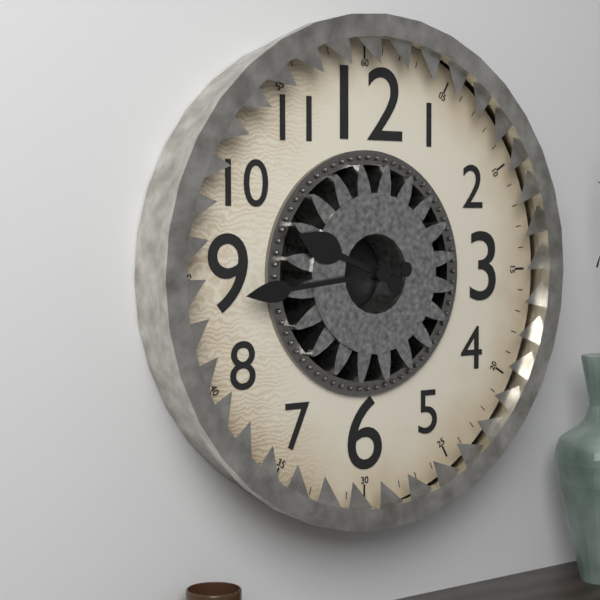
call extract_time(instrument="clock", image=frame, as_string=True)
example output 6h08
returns 9h44
